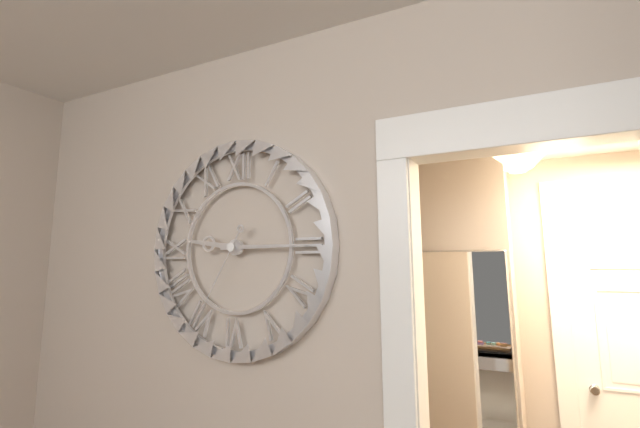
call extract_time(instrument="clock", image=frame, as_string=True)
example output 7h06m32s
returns 9h15m35s
